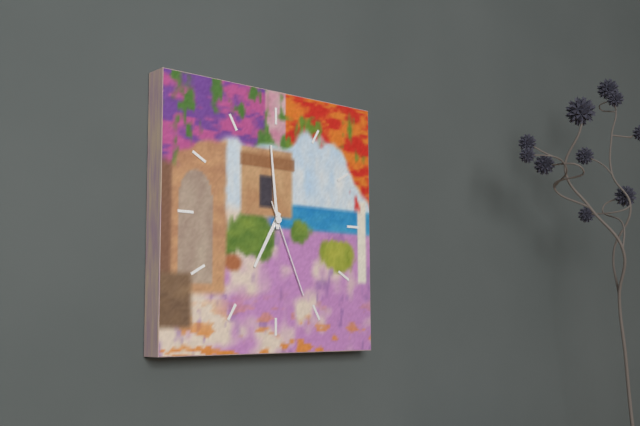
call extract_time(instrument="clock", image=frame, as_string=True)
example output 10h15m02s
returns 6h59m26s
